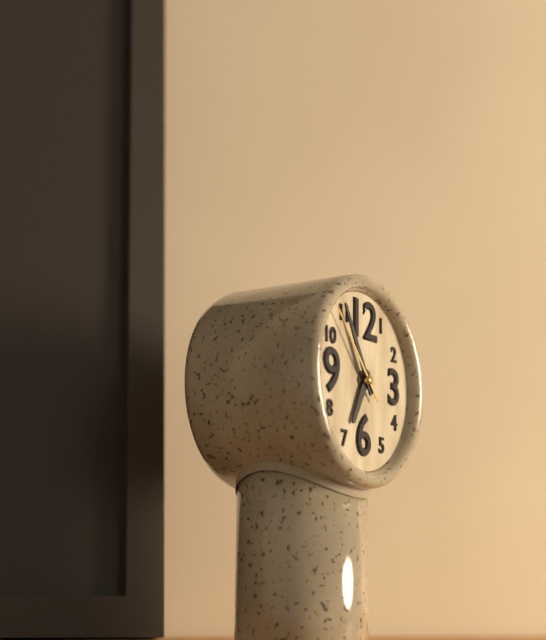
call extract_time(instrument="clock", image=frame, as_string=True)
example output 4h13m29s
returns 6h55m53s
